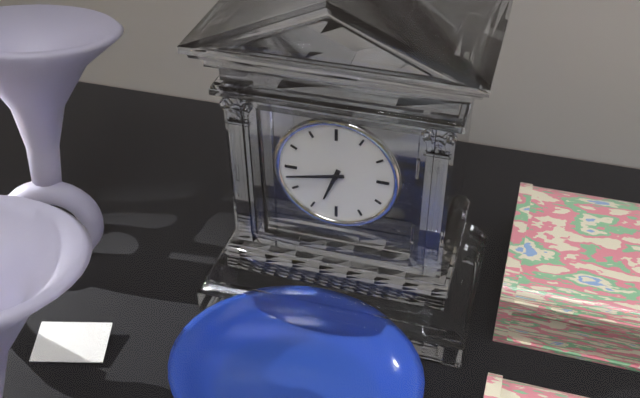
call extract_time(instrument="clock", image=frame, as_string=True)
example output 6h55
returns 6h43
